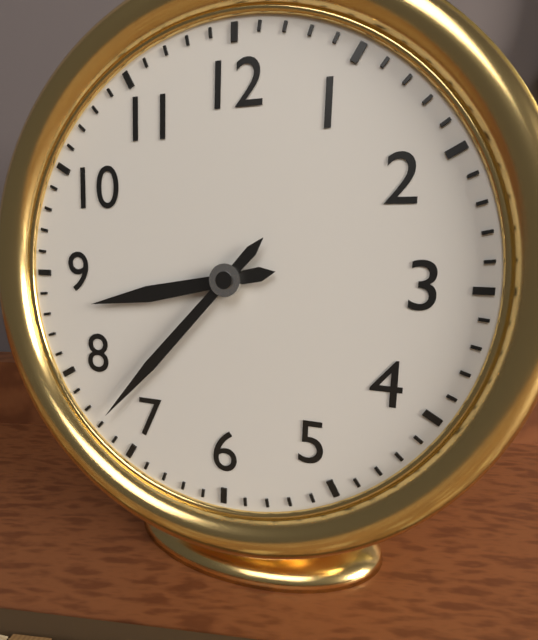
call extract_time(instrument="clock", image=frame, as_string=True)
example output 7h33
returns 8h37
